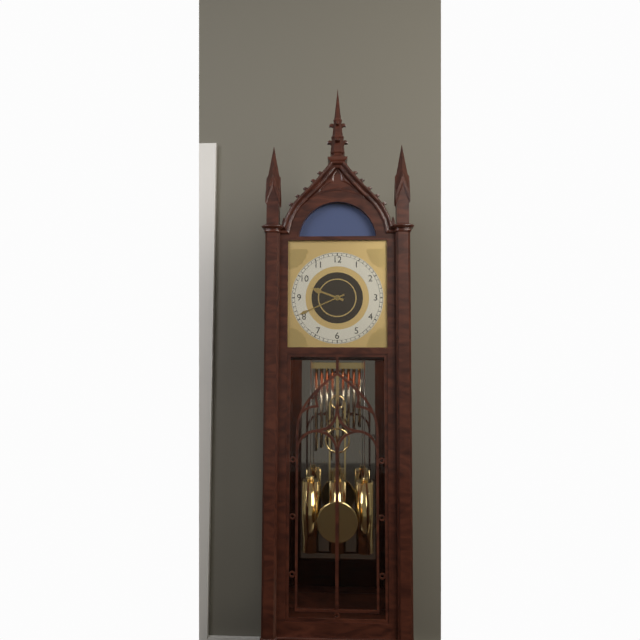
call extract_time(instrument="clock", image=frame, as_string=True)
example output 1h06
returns 9h41
